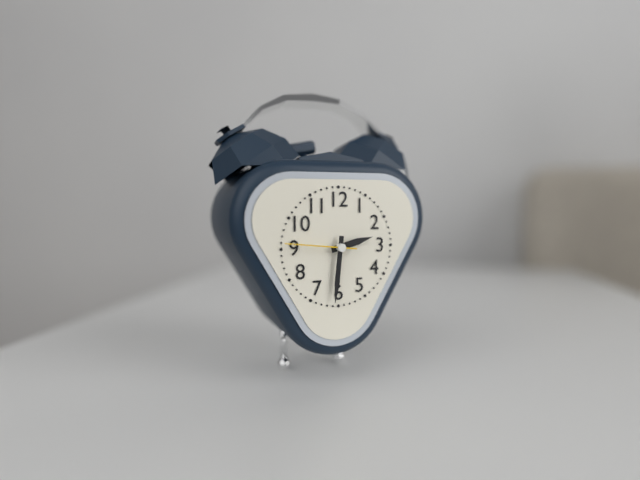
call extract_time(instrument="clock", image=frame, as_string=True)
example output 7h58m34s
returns 2h31m46s
